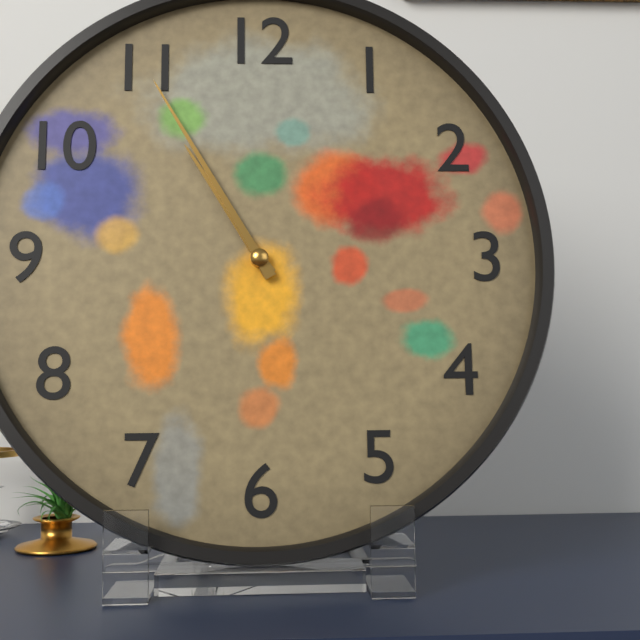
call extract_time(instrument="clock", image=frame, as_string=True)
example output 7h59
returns 10h55
